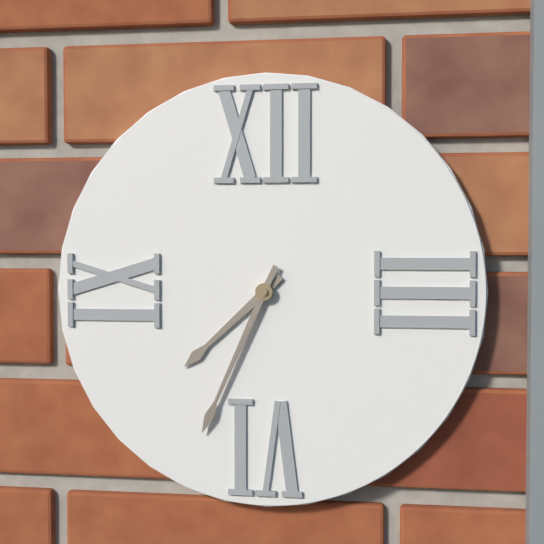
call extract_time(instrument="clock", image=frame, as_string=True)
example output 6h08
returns 7h34
